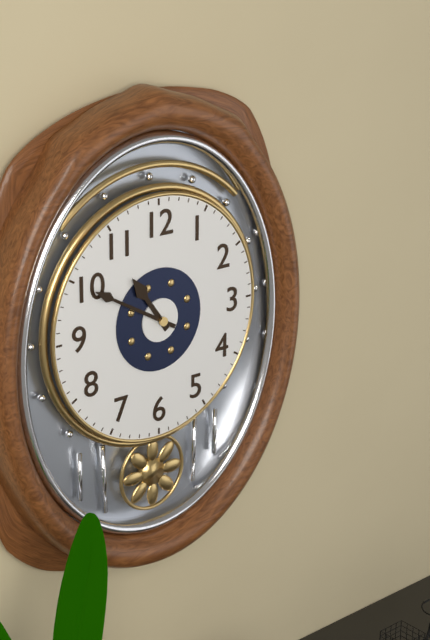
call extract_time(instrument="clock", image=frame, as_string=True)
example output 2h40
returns 10h50
